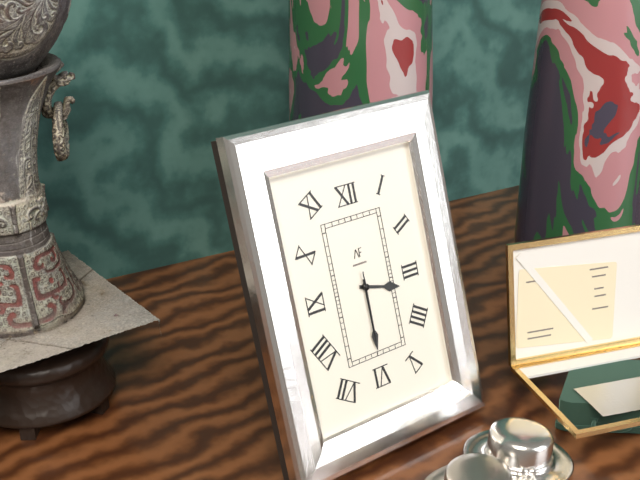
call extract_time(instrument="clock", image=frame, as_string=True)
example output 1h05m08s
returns 3h30m30s
